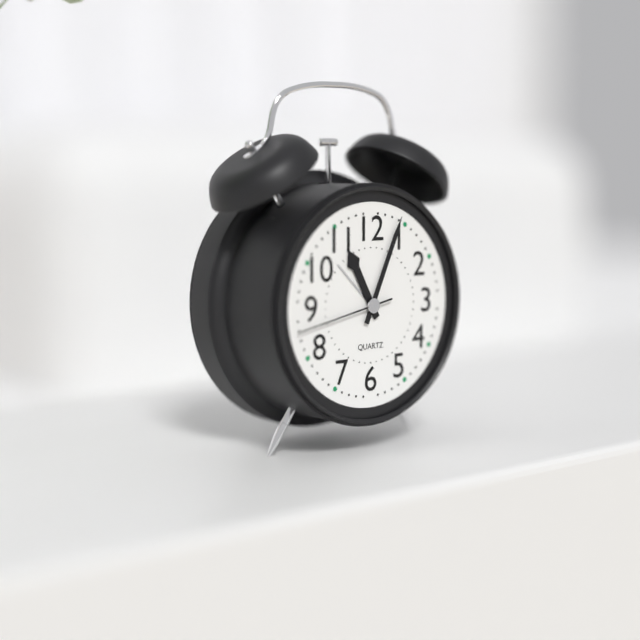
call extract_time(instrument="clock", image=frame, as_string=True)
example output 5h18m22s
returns 11h04m43s
